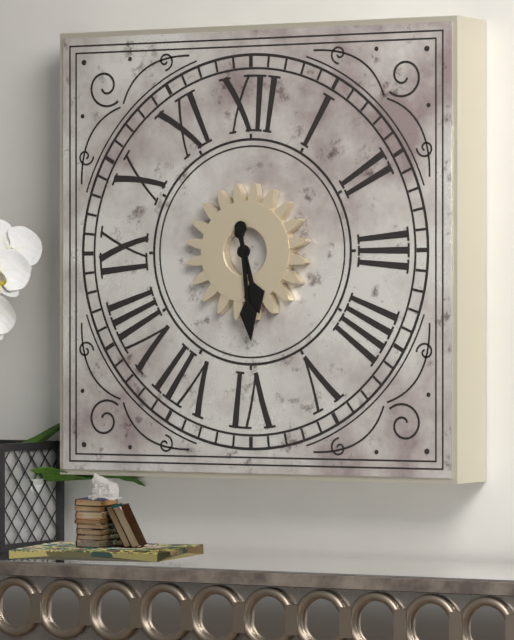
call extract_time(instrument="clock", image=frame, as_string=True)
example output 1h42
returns 5h29
